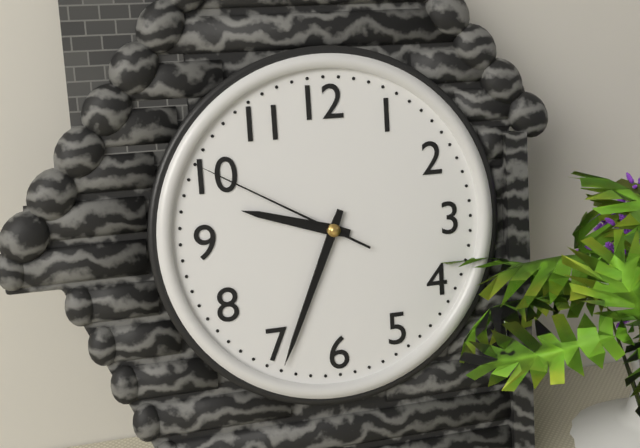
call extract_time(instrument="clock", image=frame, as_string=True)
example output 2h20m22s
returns 9h34m50s
